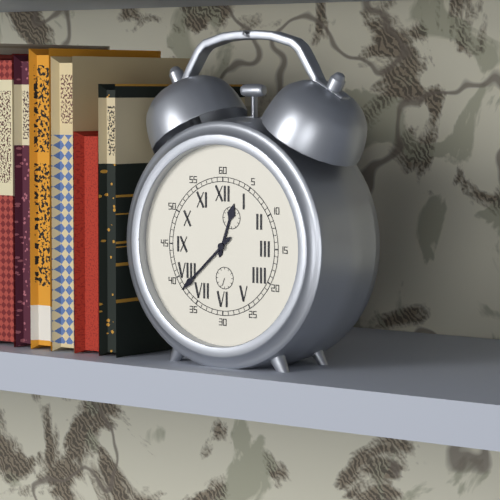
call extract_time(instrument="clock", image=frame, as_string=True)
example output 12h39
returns 12h38
